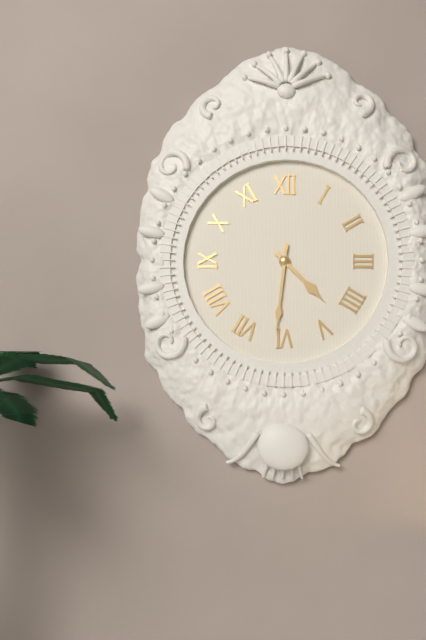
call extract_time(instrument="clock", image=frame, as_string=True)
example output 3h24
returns 4h31
